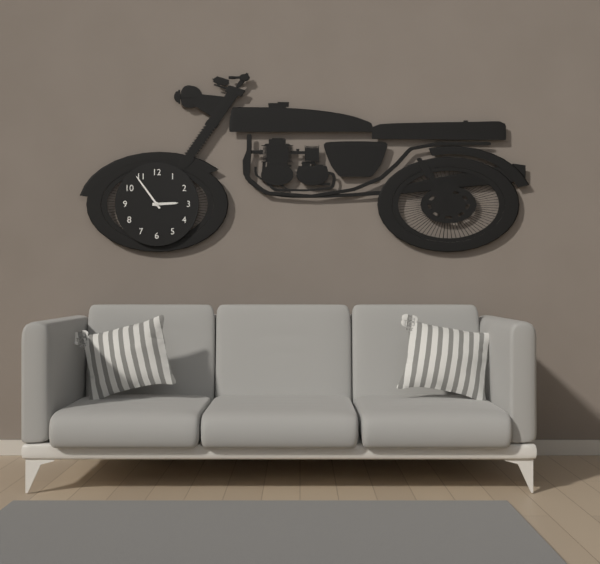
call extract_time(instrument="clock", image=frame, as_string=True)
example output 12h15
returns 2h54
